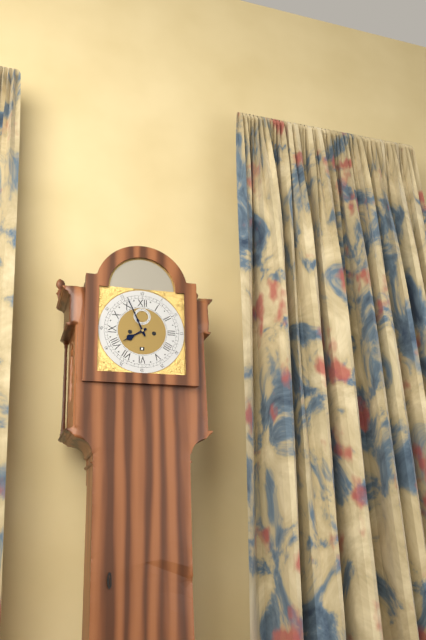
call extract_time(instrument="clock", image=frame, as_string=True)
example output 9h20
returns 7h56
